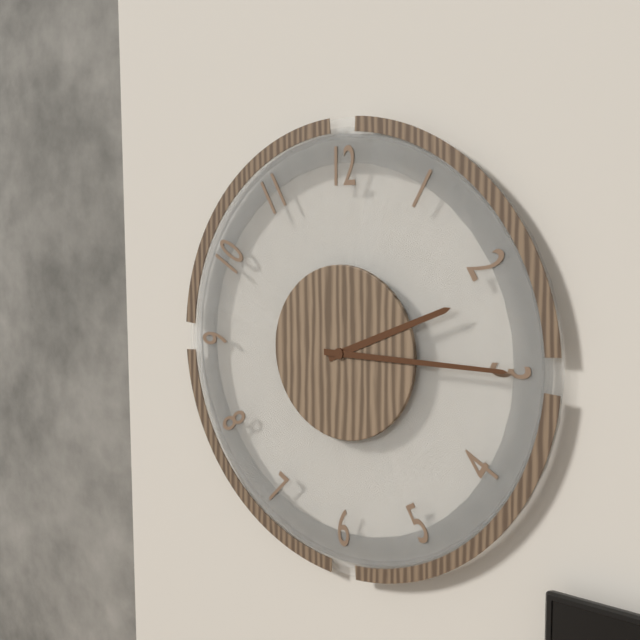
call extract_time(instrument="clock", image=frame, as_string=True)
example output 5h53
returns 2h15
